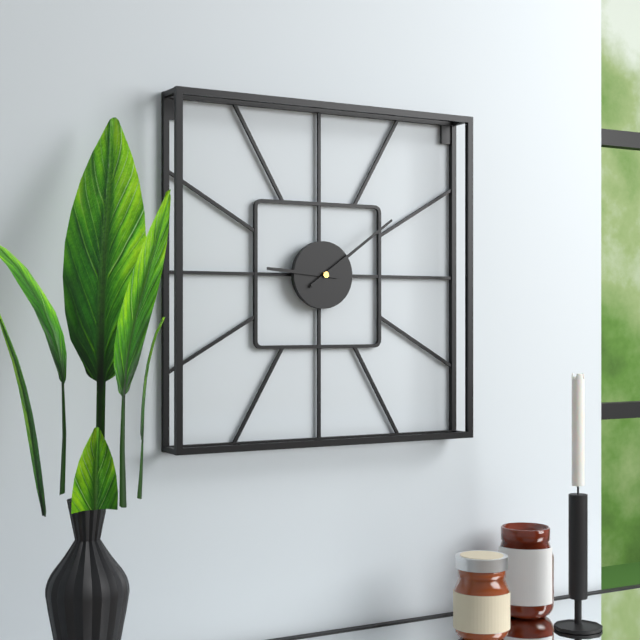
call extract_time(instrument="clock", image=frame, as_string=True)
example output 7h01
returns 9h09
